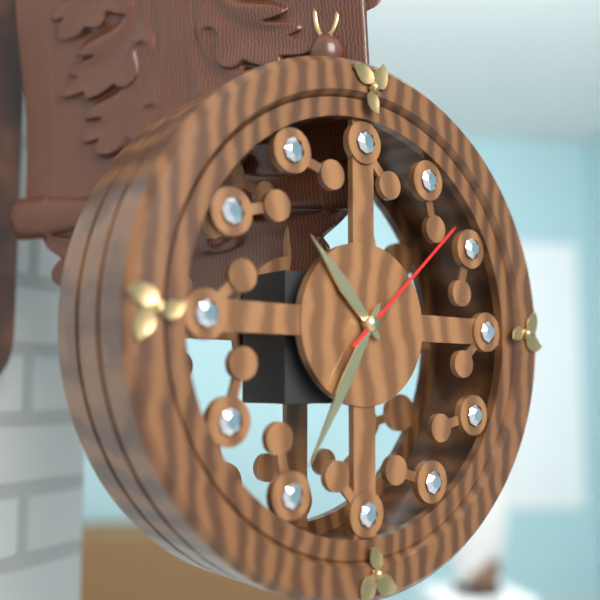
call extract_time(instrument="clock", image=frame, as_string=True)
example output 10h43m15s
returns 10h35m08s
